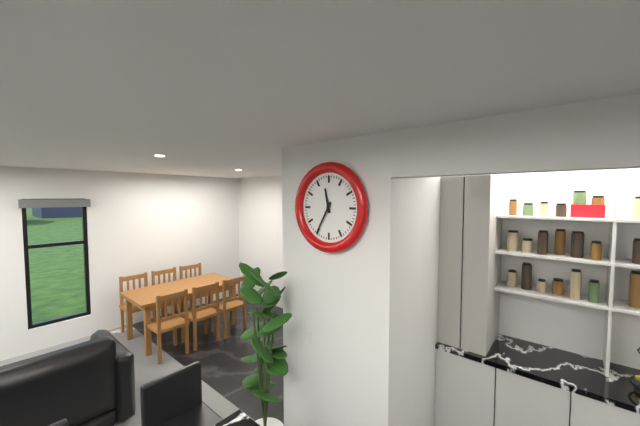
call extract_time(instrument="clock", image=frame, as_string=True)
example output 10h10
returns 11h35
